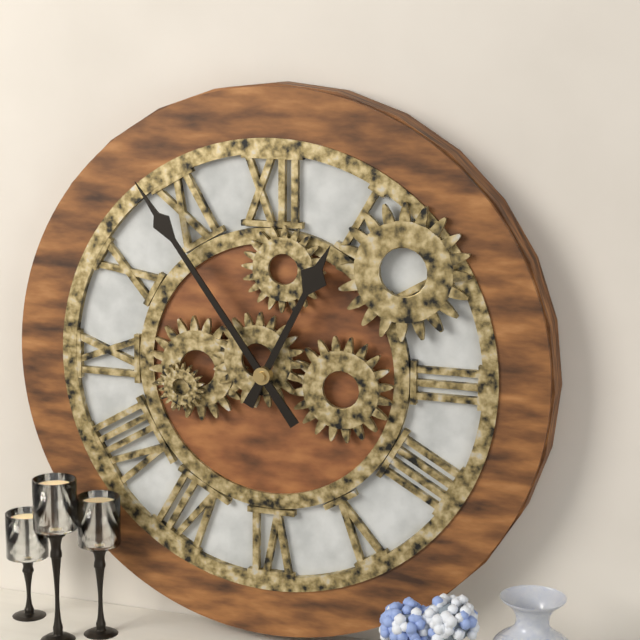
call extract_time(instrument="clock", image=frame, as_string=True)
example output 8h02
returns 12h54
